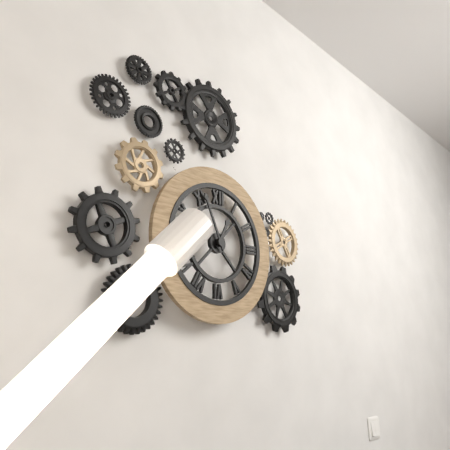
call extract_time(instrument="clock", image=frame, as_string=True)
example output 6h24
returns 12h56
